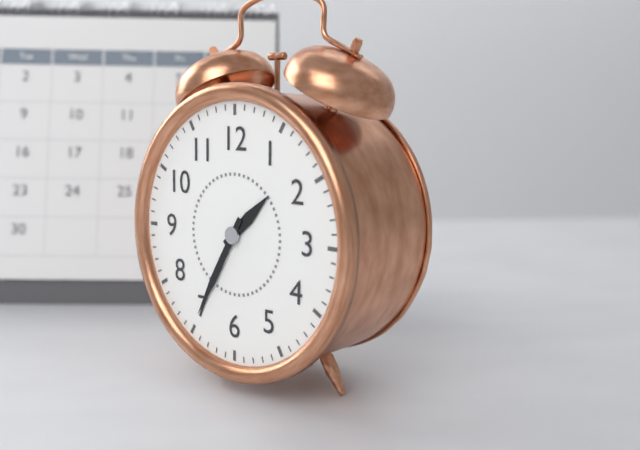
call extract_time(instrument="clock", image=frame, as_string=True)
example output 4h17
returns 1h35
